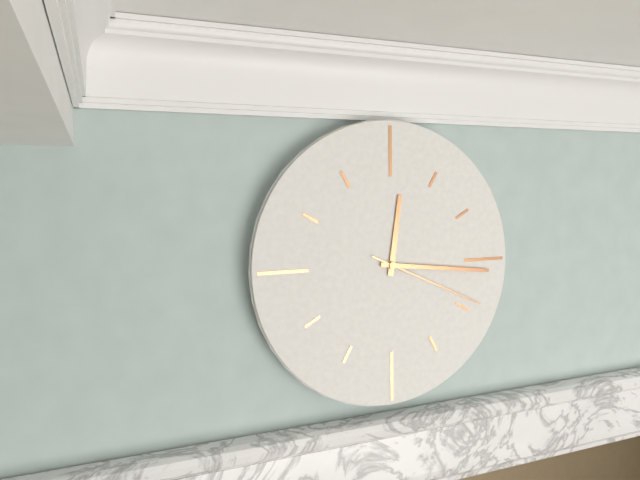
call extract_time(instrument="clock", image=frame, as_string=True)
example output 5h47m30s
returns 12h16m19s
